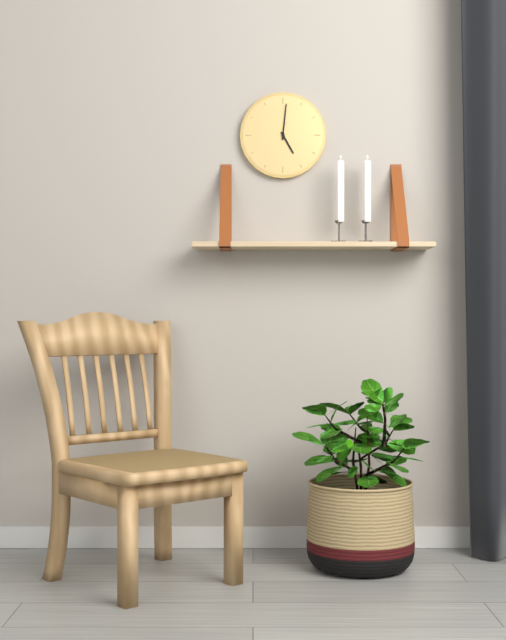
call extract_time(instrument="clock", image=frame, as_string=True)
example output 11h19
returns 5h01
